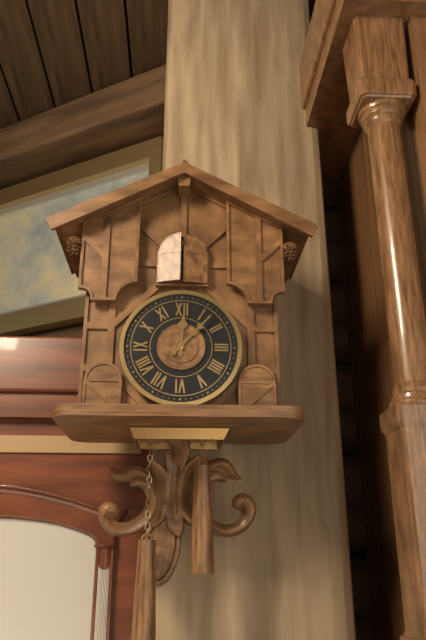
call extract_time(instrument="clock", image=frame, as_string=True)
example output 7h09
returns 12h07
